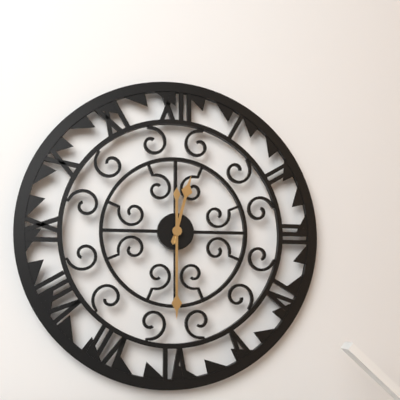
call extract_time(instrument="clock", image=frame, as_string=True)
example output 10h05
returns 12h30
